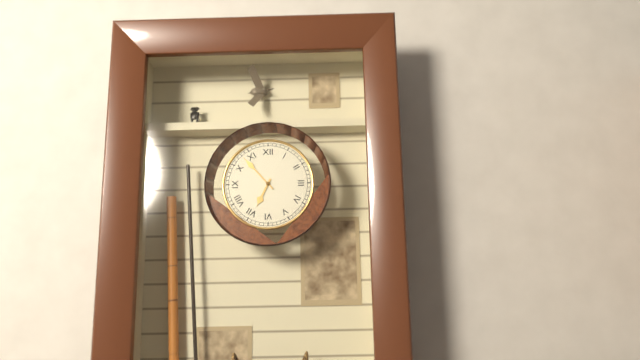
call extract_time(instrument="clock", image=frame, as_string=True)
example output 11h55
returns 6h53
